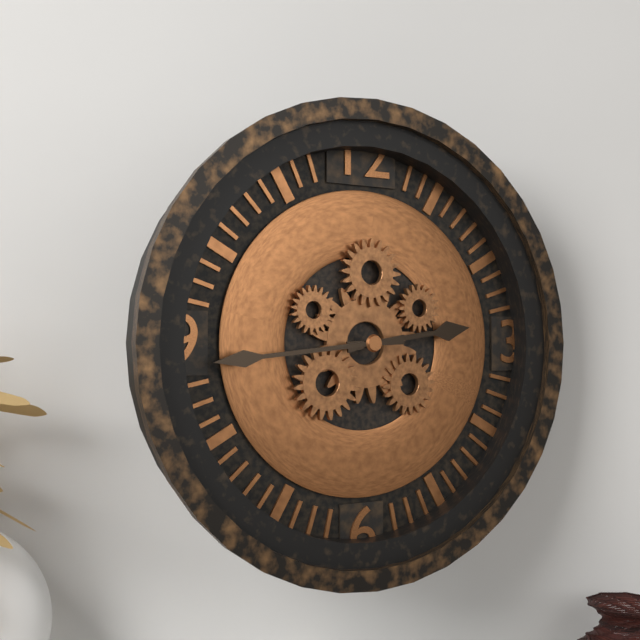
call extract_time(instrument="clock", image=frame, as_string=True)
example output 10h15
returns 2h44
